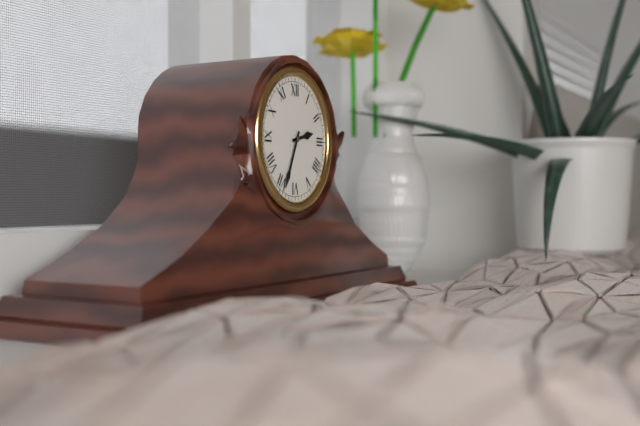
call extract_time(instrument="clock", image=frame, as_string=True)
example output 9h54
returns 2h34
